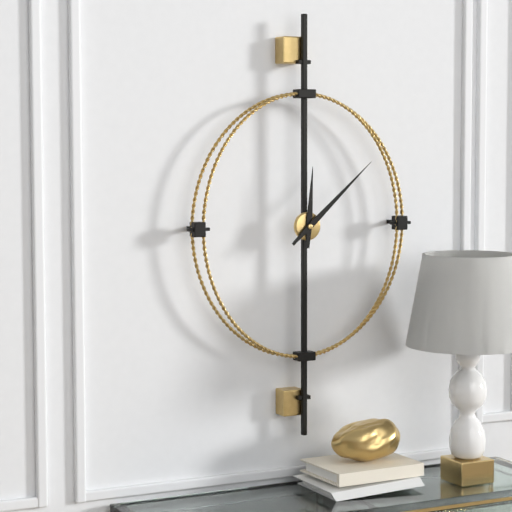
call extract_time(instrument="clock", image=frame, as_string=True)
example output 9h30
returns 12h08
